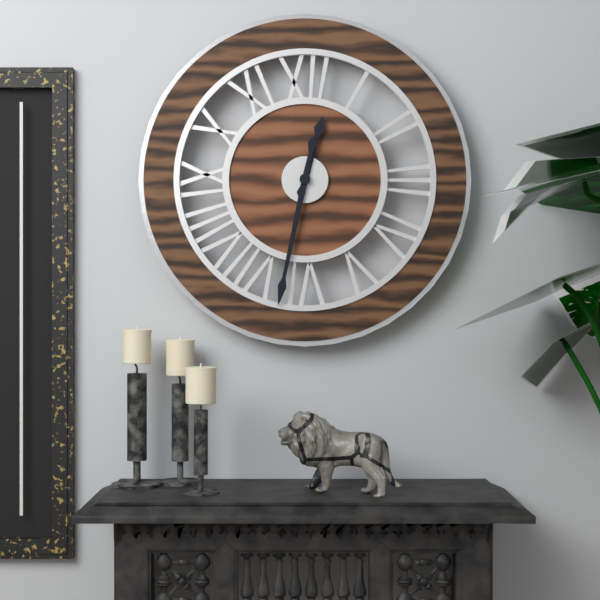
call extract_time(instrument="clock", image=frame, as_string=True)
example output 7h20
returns 12h32
